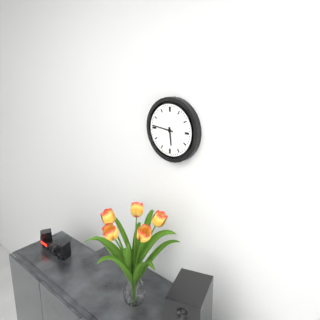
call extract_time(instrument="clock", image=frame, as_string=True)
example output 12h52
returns 5h46
